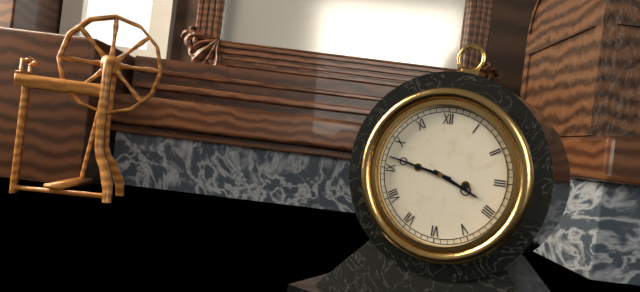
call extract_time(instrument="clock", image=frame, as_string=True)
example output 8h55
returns 3h47
